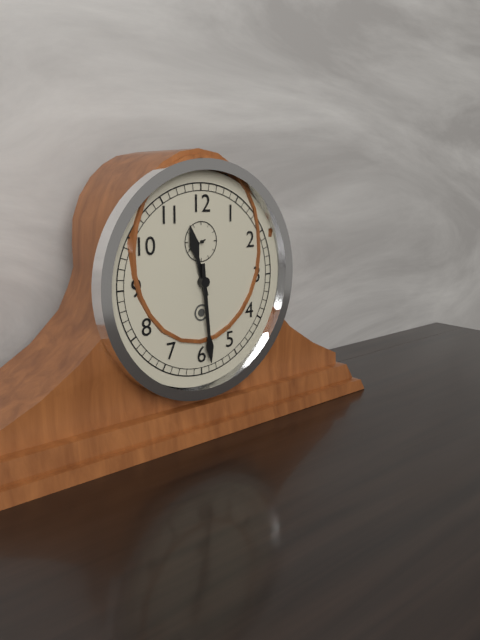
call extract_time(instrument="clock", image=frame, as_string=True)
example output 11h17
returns 11h29
